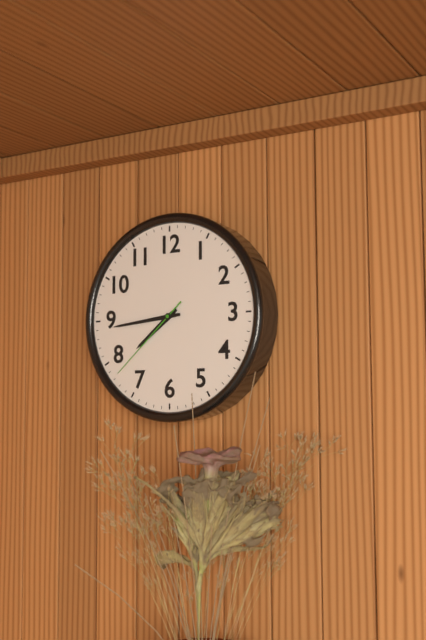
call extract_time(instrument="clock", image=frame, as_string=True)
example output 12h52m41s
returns 7h44m38s
